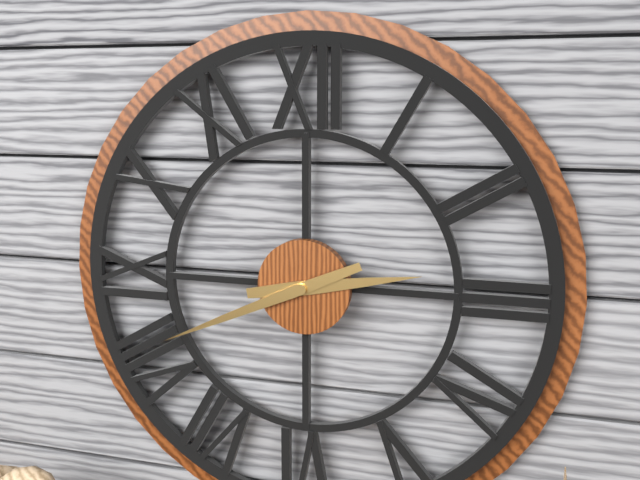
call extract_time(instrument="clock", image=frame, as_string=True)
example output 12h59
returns 2h41
